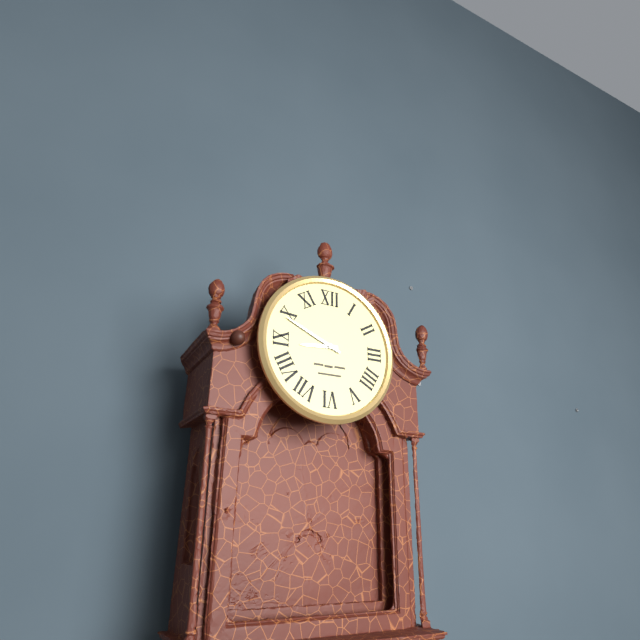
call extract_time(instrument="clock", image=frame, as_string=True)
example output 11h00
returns 8h49
